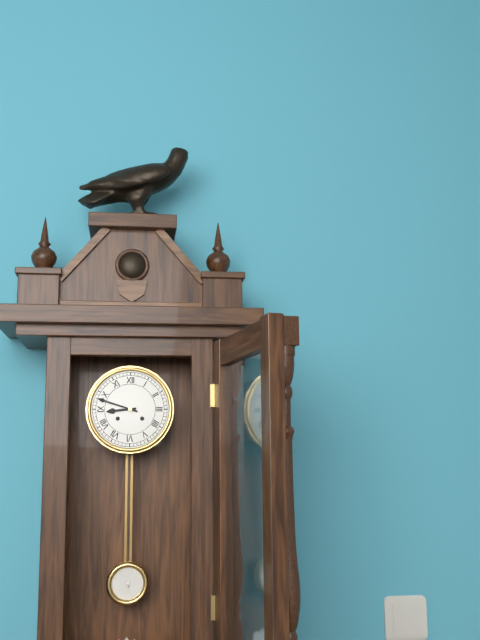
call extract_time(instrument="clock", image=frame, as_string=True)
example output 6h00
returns 8h48
